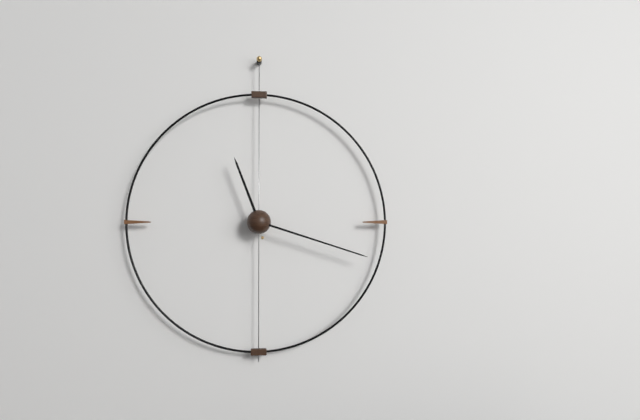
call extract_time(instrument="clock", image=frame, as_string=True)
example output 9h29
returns 11h18
